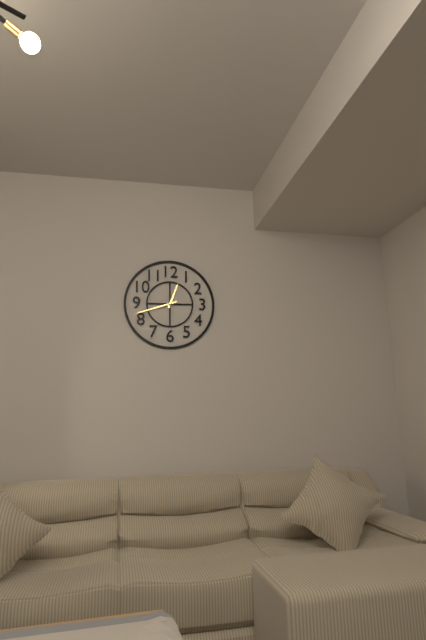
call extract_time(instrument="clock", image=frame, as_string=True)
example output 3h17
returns 12h42
